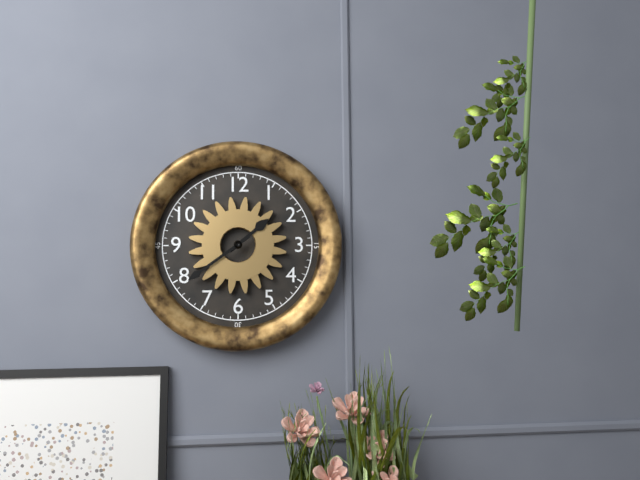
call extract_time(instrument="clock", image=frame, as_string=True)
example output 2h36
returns 1h39
